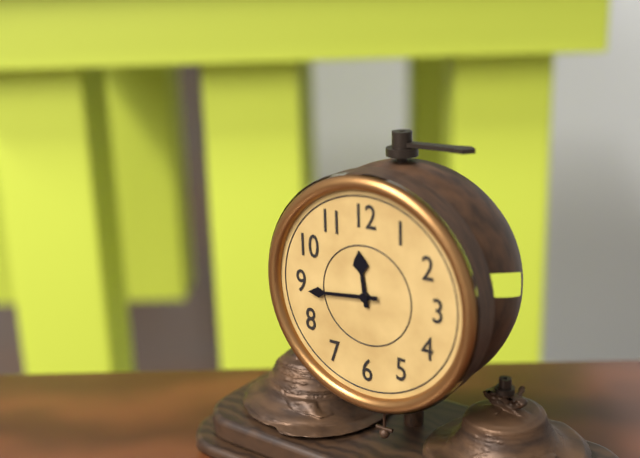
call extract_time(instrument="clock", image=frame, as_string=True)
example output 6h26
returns 11h44
